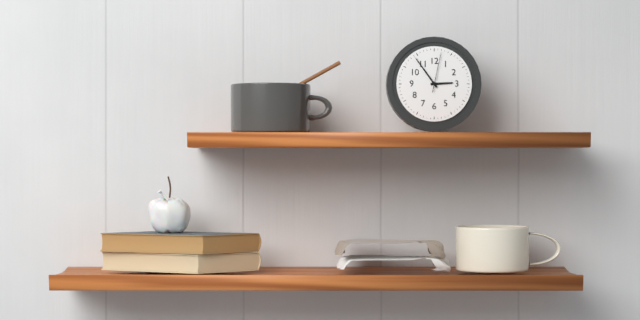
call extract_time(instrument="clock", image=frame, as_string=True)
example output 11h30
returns 2h54
